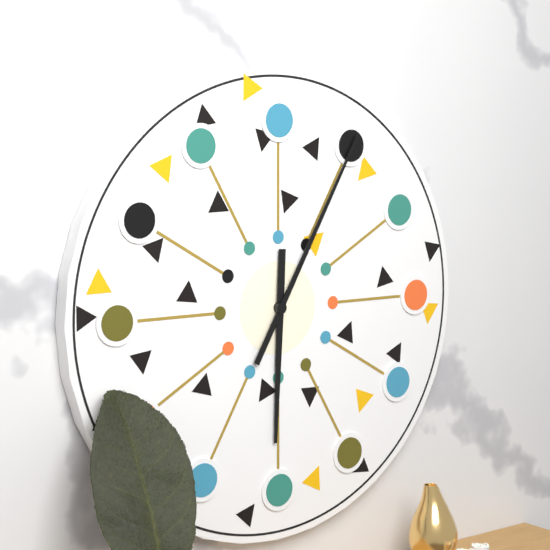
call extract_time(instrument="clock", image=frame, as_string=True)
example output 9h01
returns 6h05
